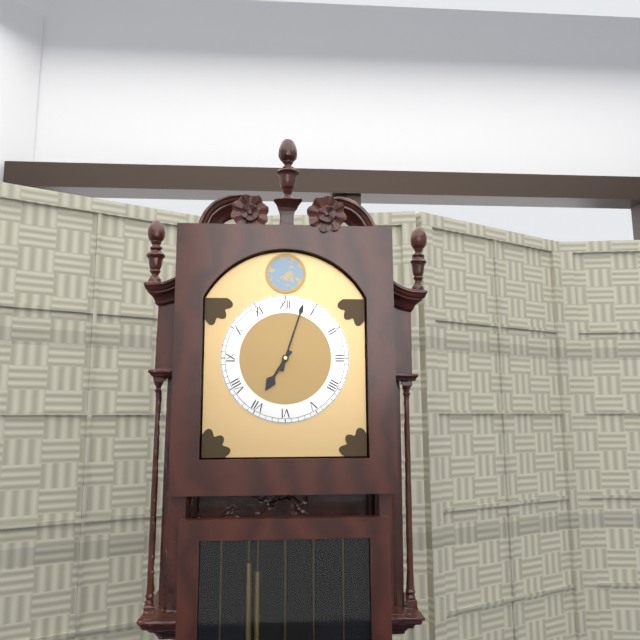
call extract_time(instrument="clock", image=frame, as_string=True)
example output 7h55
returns 7h03
